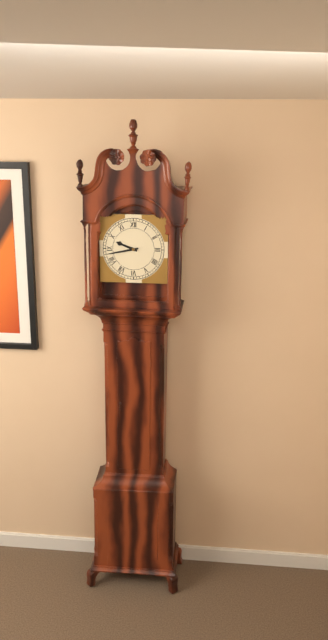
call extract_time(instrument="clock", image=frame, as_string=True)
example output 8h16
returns 9h43
